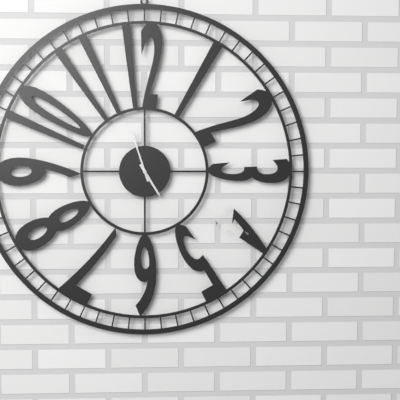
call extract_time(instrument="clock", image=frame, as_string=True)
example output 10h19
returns 4h57
